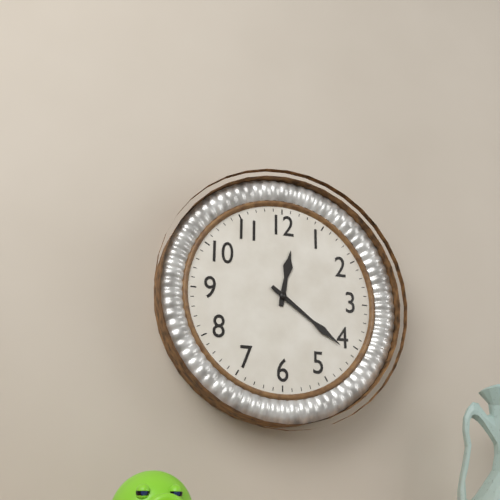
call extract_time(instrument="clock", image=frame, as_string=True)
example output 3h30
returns 12h21
